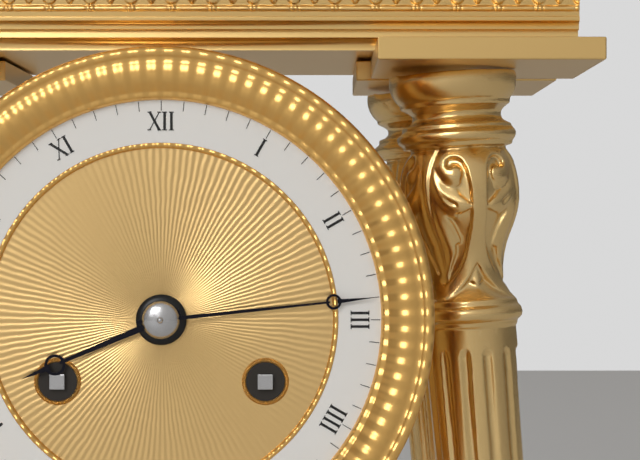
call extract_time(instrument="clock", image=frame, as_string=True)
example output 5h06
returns 8h14
